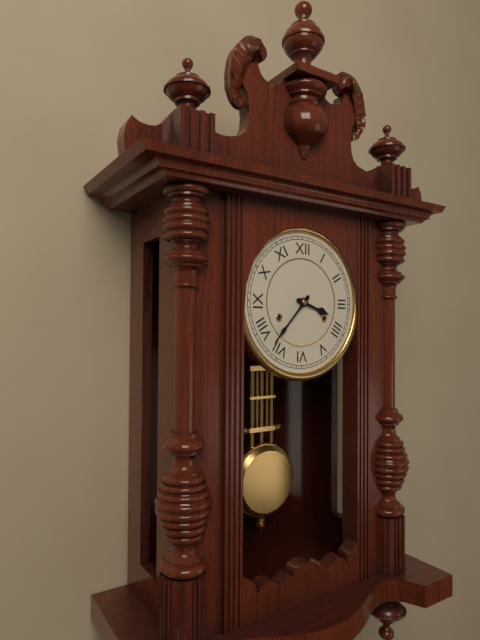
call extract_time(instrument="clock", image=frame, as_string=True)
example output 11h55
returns 3h37
